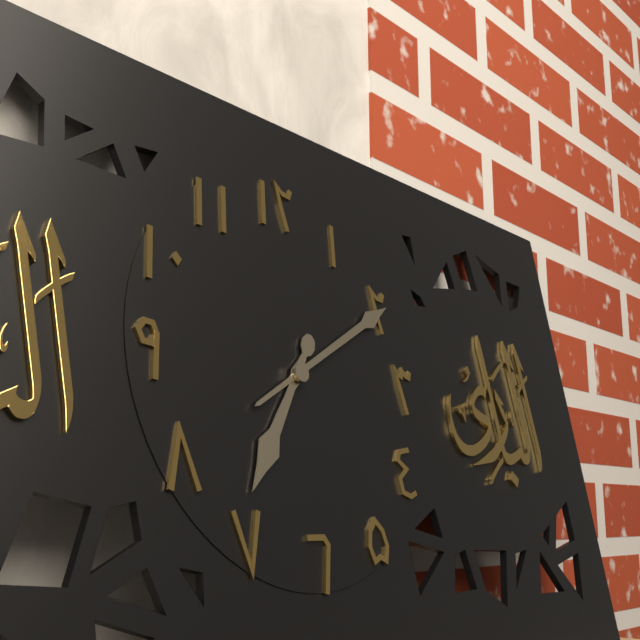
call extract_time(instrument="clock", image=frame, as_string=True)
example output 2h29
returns 7h10
